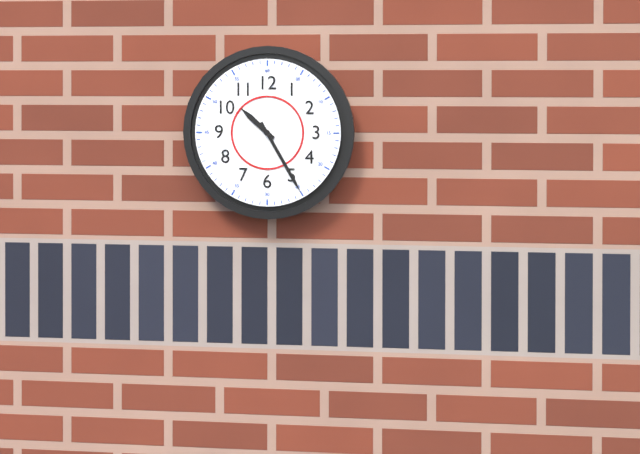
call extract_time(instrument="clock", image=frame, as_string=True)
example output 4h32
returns 10h25
